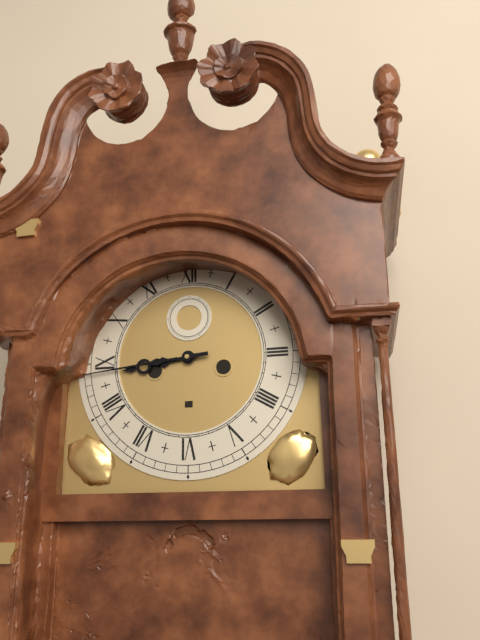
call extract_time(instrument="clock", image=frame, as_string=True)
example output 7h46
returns 8h44
